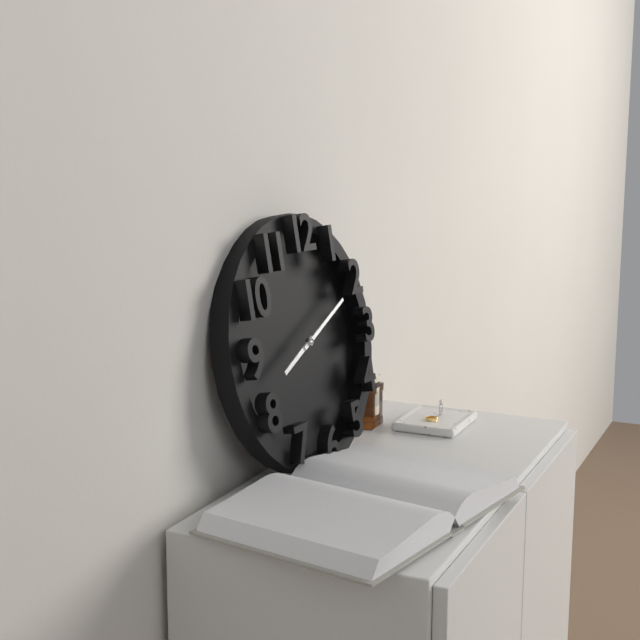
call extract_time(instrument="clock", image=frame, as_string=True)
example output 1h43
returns 8h11
